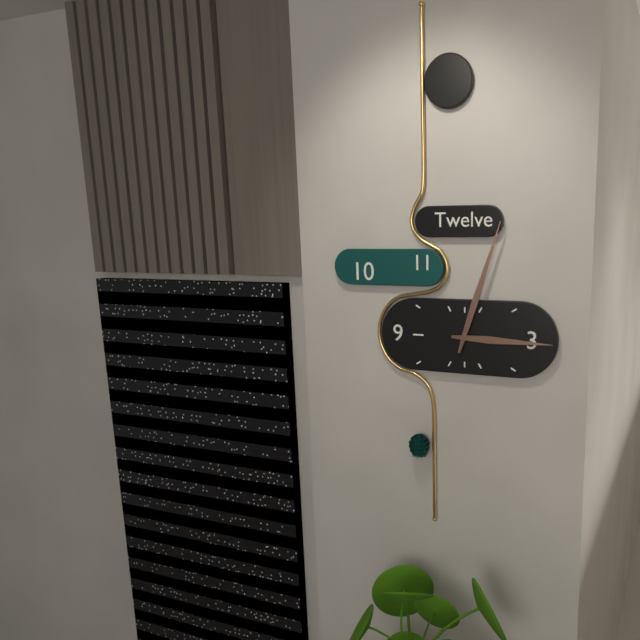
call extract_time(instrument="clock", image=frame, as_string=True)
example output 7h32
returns 3h03
